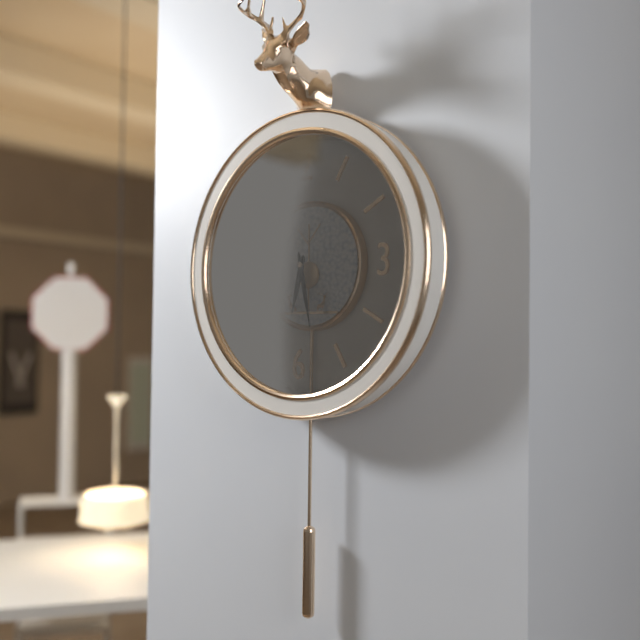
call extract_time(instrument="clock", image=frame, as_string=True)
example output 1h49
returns 6h28
